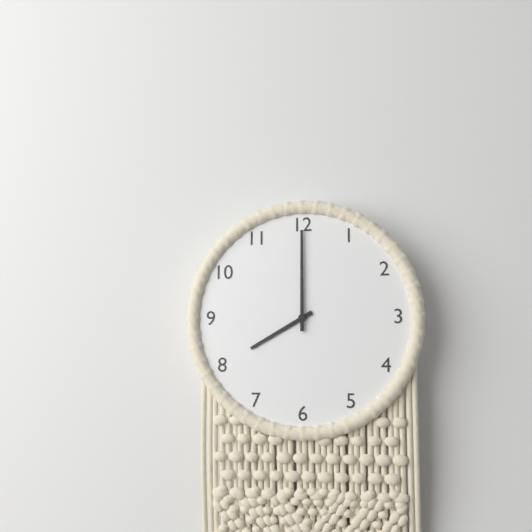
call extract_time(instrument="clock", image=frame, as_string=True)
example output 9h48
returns 8h00
